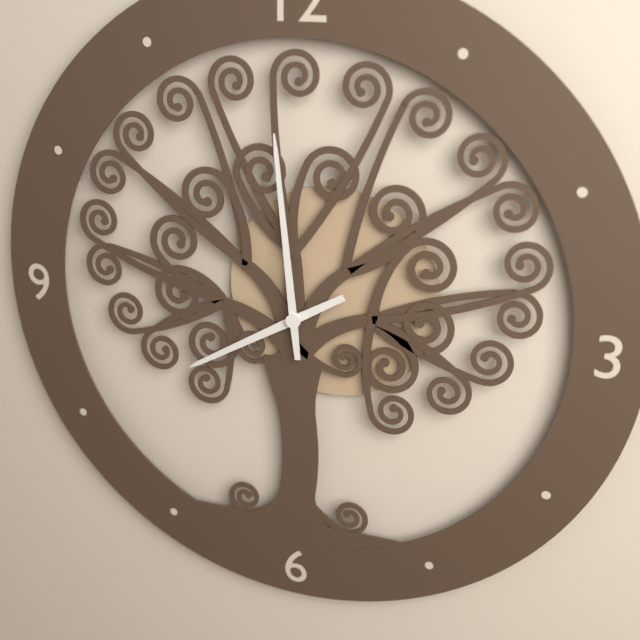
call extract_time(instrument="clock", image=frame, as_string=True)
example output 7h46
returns 7h59
